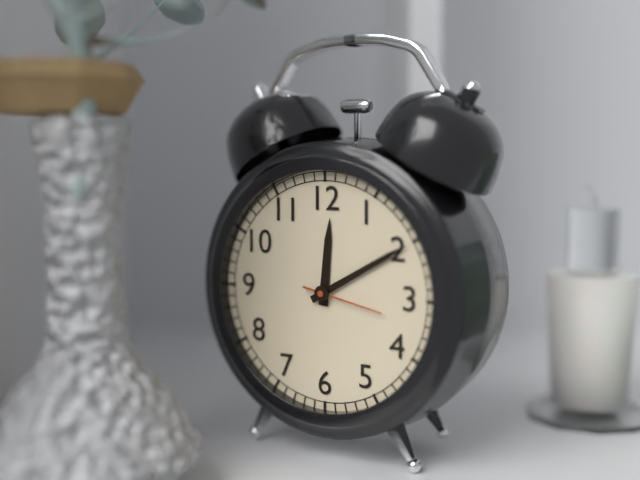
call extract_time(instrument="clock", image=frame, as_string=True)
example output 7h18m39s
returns 12h10m17s
